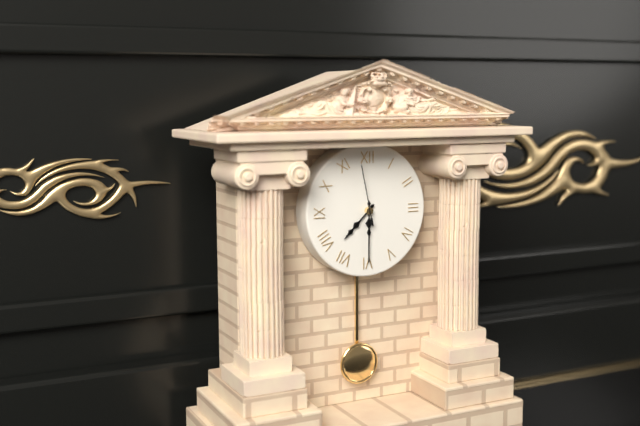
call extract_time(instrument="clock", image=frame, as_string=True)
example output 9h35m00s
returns 7h30m58s
